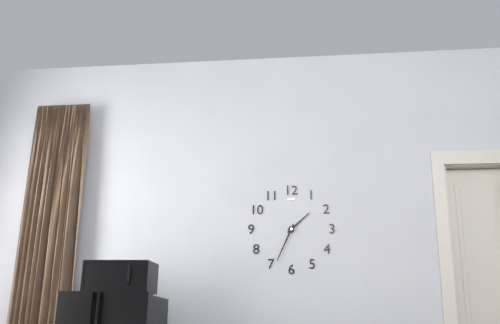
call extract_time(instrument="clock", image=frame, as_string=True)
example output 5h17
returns 1h34
